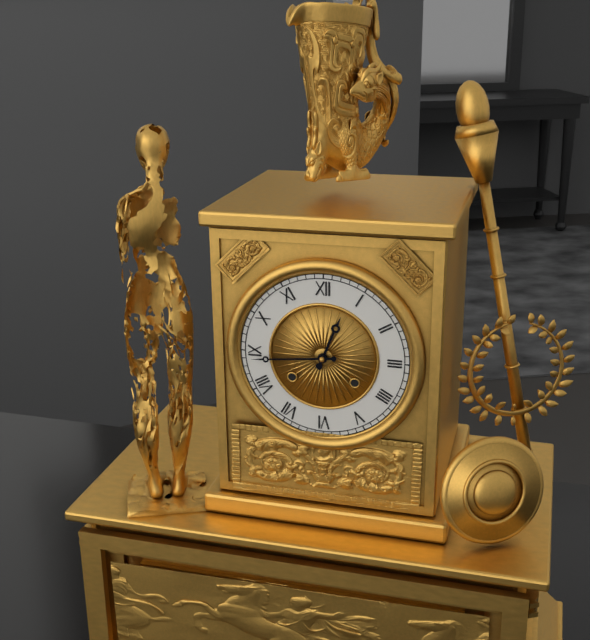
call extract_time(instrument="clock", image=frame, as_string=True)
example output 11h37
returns 12h44
